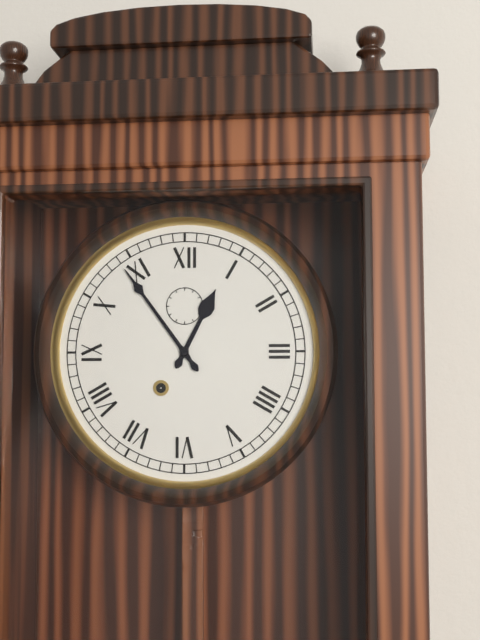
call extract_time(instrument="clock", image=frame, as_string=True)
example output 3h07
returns 12h54
